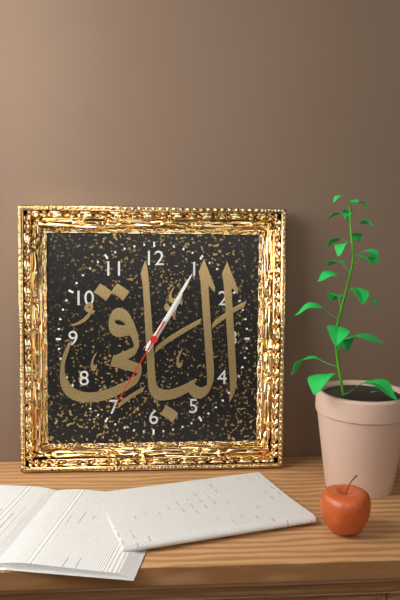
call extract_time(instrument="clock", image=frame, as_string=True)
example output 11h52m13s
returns 1h05m35s
